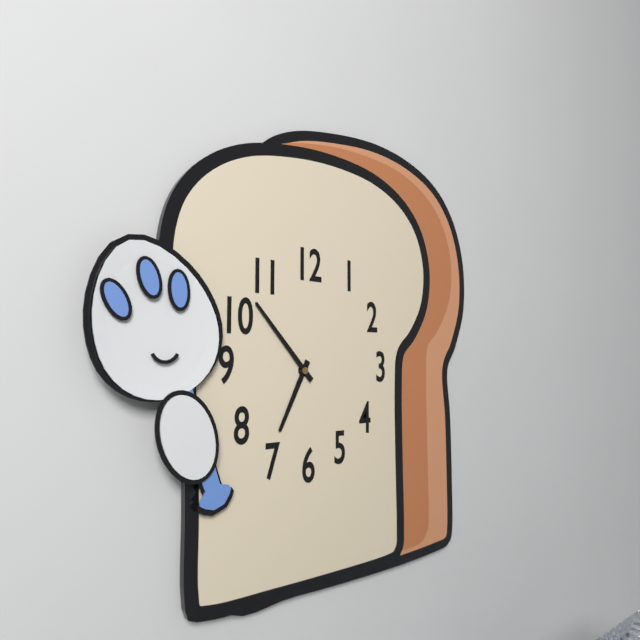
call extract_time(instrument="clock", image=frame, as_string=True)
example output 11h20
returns 6h53
